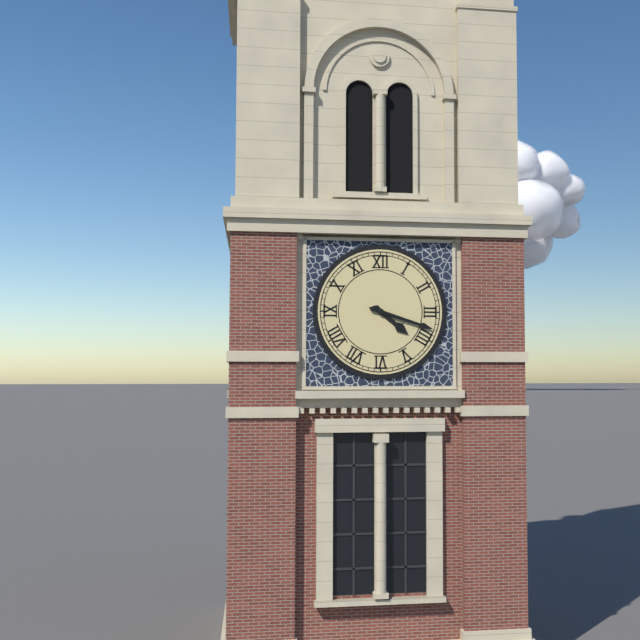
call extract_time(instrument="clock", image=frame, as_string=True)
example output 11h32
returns 4h18
